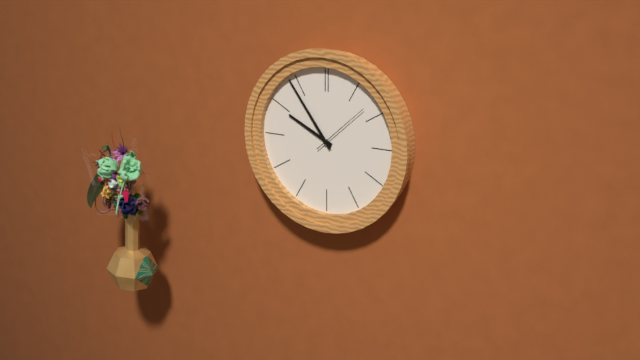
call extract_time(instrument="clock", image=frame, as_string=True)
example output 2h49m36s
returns 9h54m08s
